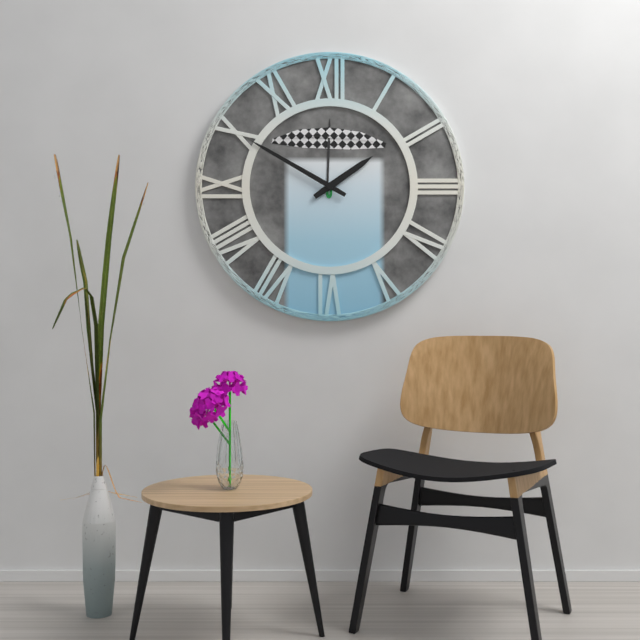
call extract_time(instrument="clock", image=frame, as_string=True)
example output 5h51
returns 1h50
